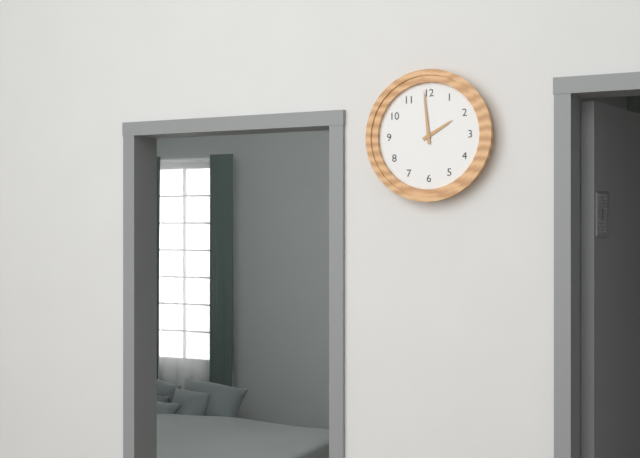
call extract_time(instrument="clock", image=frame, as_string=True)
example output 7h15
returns 1h59
